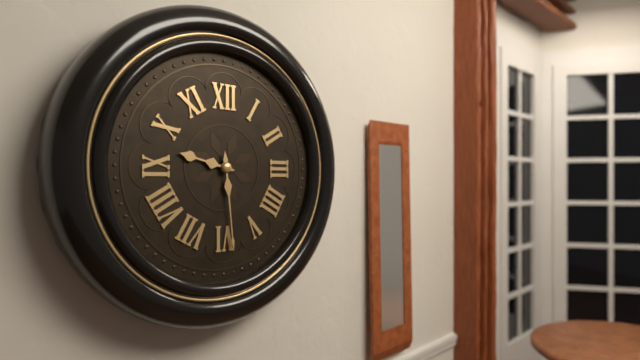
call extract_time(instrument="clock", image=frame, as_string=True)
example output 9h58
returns 9h29
